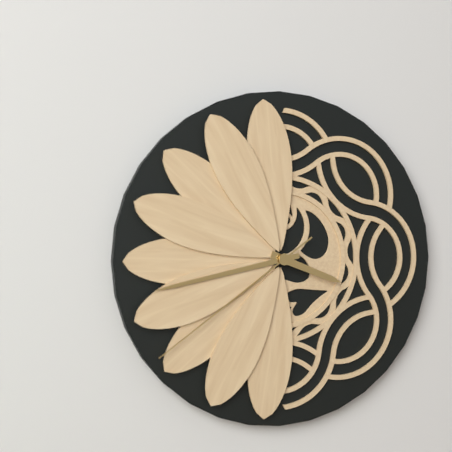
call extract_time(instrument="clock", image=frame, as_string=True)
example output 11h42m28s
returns 3h43m39s
